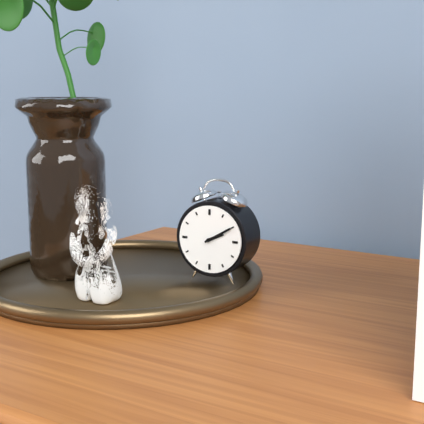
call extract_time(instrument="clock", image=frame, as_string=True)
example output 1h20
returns 2h10
